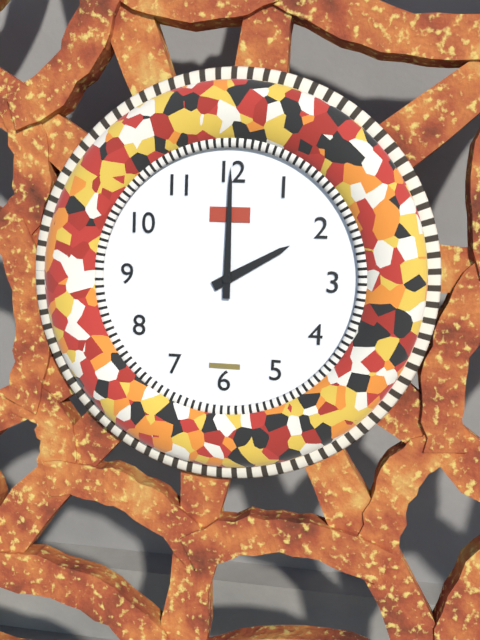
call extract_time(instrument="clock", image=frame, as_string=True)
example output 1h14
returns 2h00
